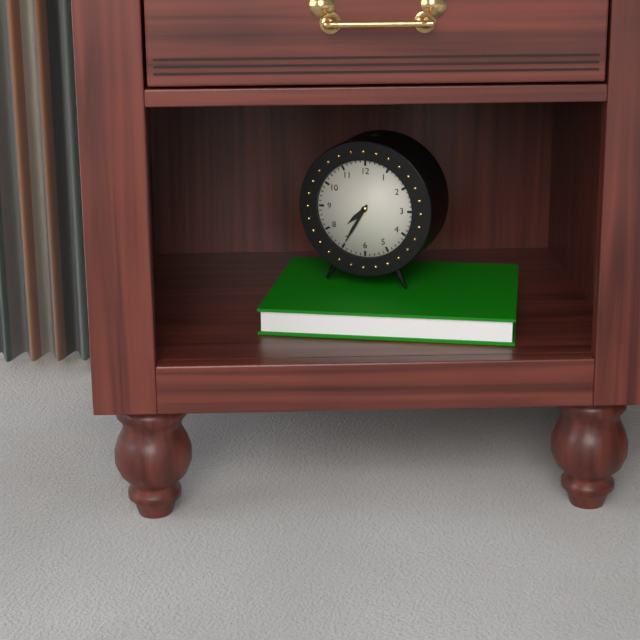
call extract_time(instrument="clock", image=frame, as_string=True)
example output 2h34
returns 7h35
